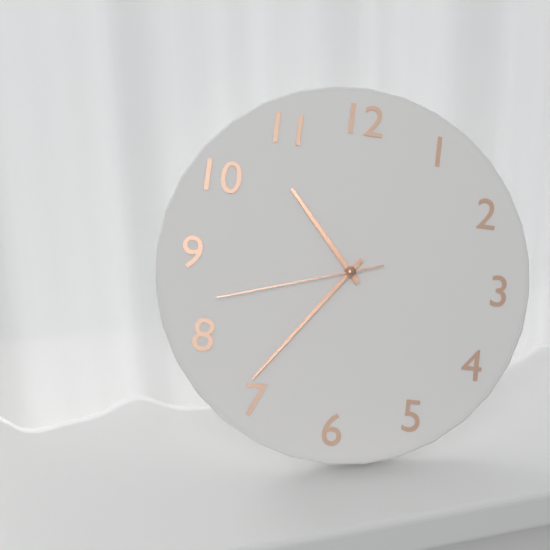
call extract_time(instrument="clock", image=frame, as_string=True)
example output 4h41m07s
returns 10h36m42s
